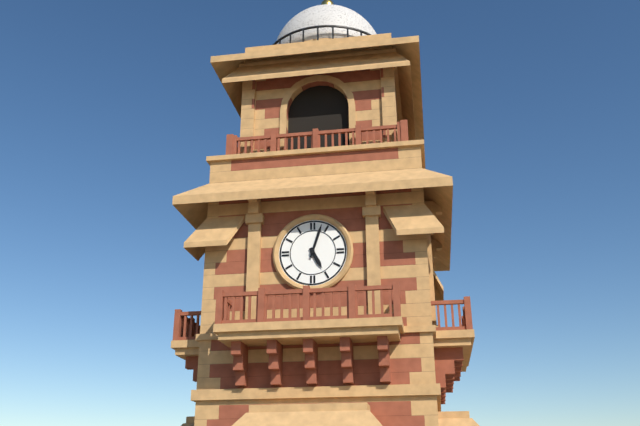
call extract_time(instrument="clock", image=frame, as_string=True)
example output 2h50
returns 5h03
